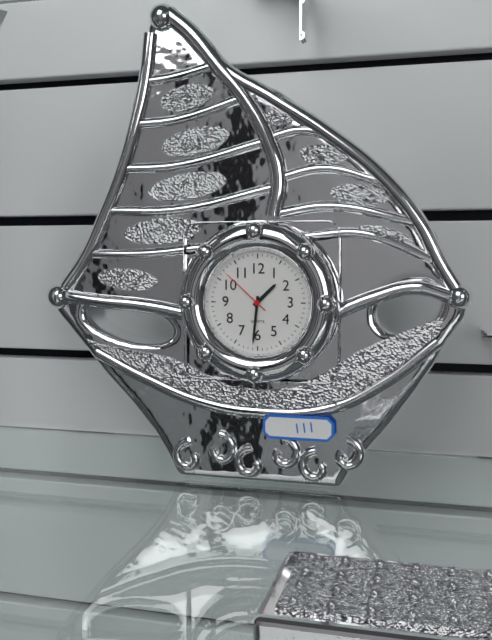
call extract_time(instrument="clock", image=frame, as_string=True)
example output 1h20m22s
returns 1h31m52s
